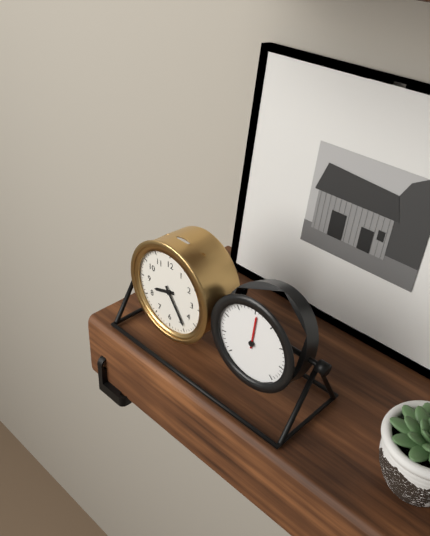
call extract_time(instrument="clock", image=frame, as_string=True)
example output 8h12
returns 8h24
